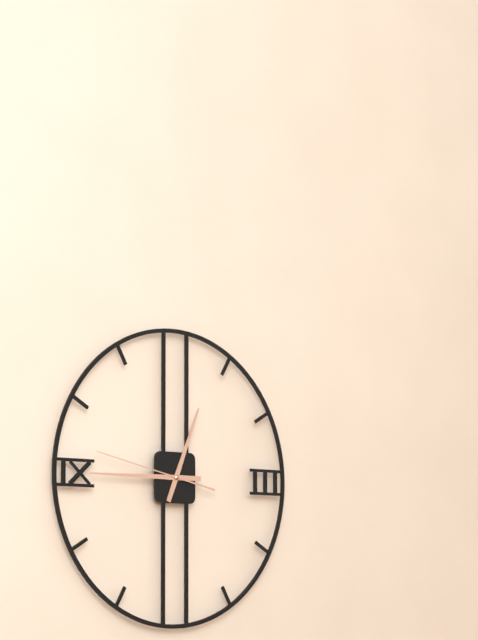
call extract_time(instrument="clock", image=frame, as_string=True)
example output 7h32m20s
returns 12h45m47s
